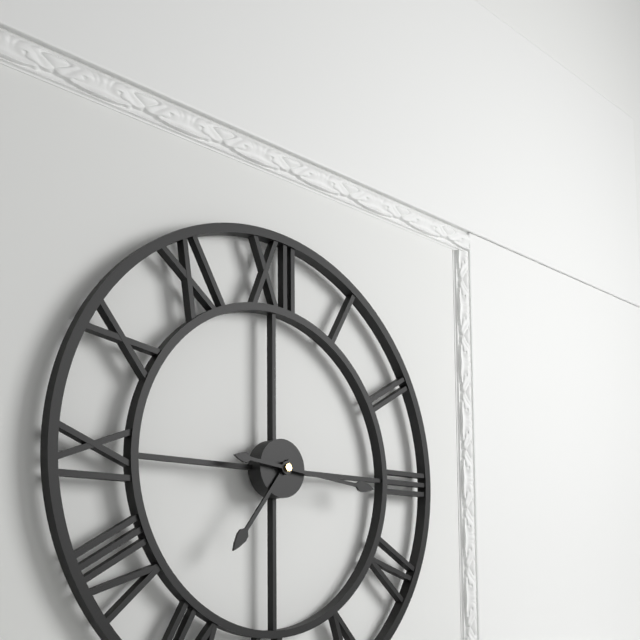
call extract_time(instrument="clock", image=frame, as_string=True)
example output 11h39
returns 7h16
